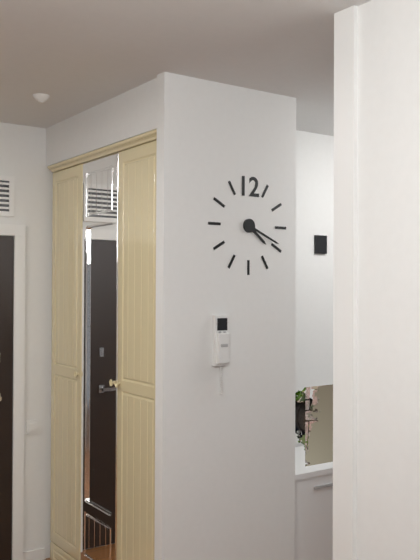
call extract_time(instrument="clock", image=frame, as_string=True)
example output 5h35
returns 4h19
